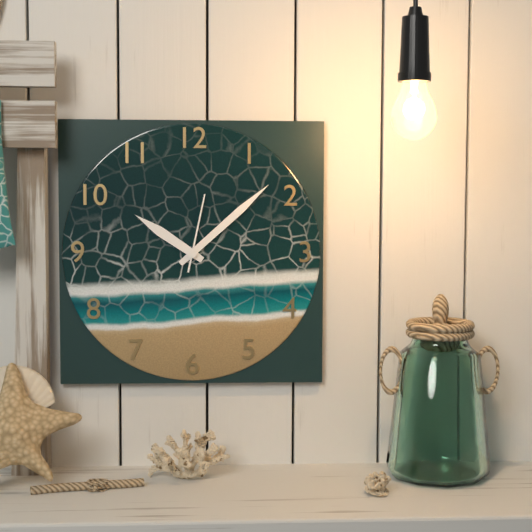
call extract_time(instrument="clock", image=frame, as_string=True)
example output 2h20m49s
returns 10h08m02s
